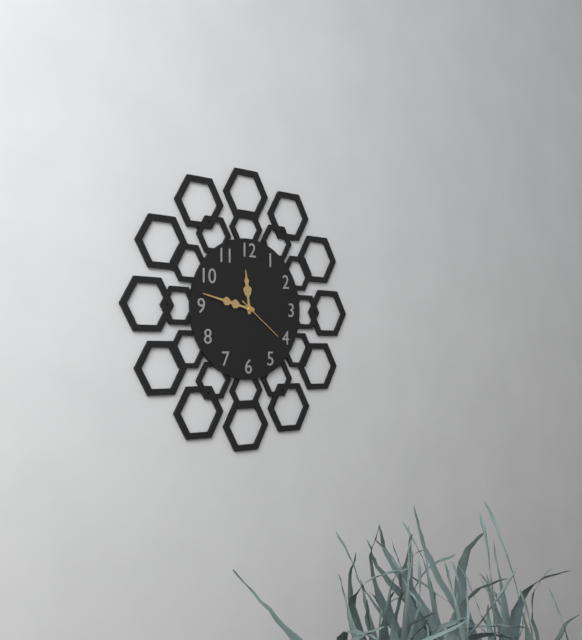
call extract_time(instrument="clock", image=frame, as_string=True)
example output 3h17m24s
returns 11h47m21s
